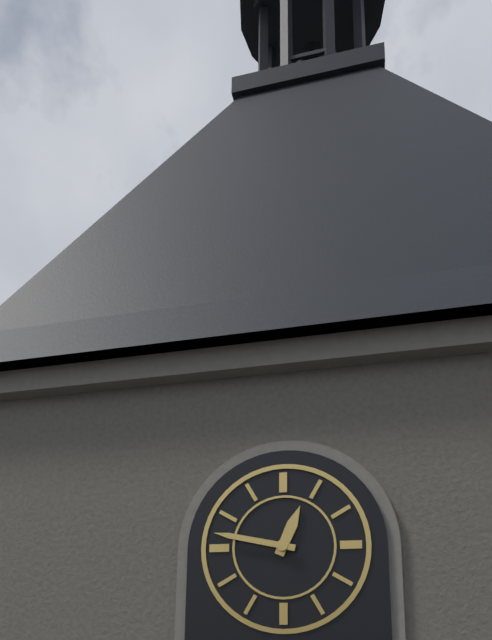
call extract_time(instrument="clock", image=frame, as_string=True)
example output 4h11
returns 12h47
